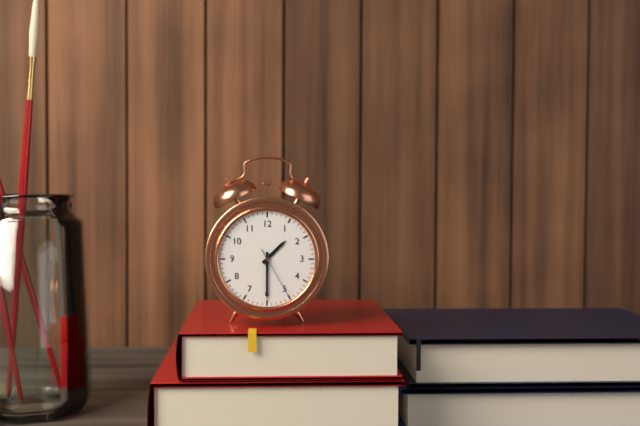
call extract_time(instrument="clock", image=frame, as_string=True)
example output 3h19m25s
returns 1h30m25s
